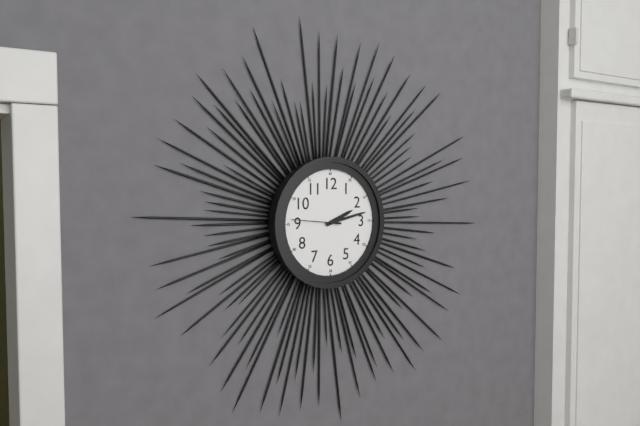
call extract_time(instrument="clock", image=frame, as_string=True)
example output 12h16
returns 2h13
